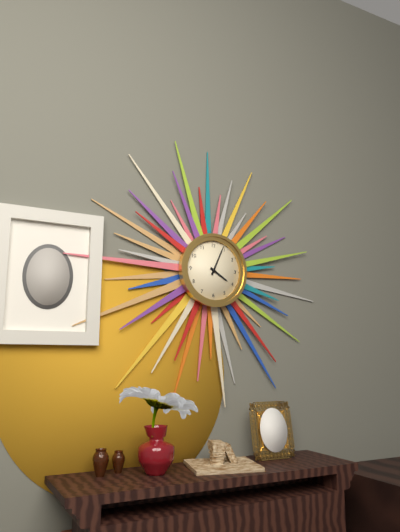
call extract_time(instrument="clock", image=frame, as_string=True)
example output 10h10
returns 4h04
